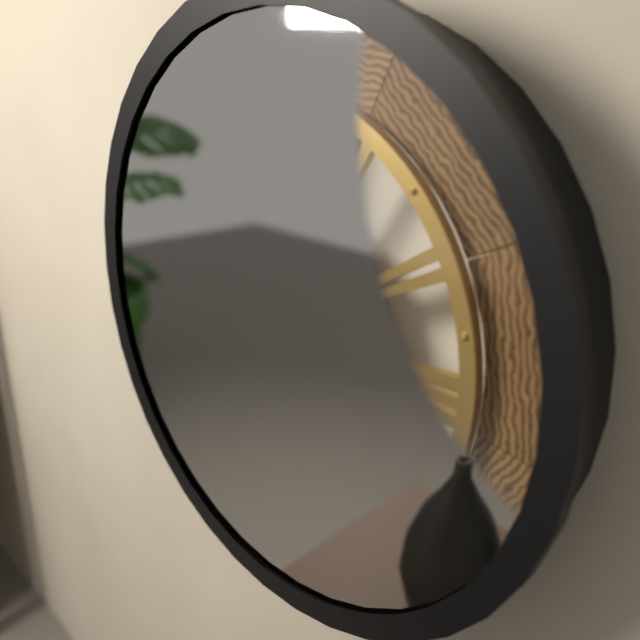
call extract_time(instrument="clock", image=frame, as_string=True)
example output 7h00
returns 8h47
